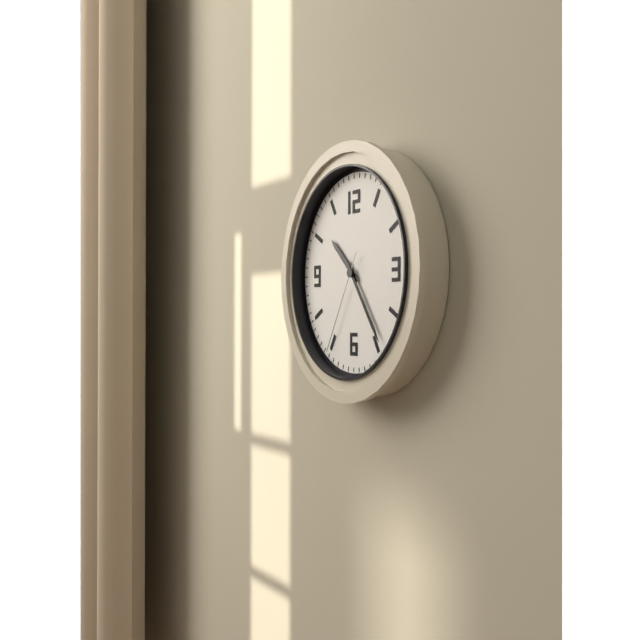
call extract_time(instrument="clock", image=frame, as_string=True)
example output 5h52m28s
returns 10h24m35s
